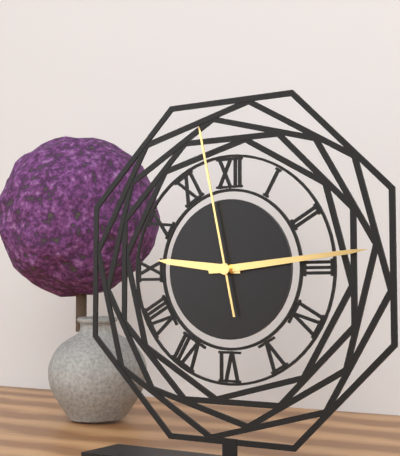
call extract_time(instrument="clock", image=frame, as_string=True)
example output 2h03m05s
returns 9h14m58s
